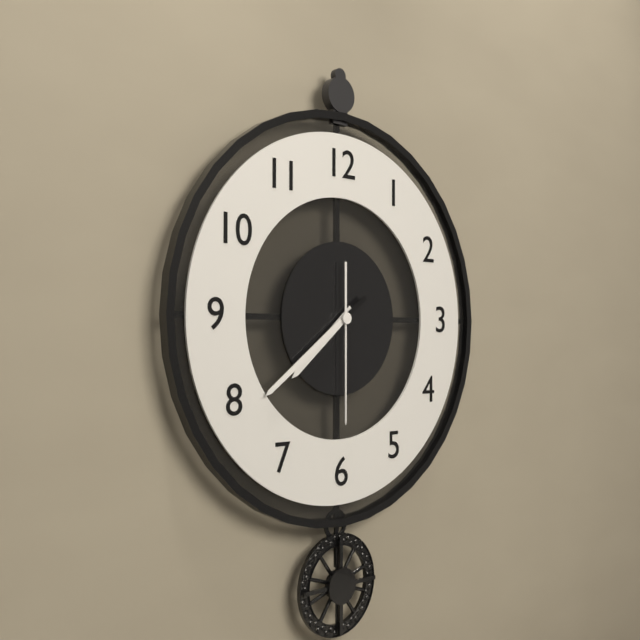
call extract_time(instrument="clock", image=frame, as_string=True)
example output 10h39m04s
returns 7h39m30s
